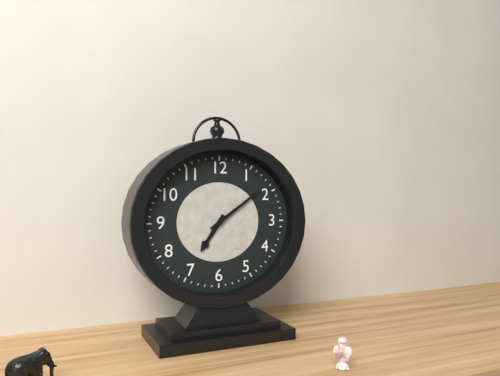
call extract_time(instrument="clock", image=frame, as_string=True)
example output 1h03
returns 7h09
